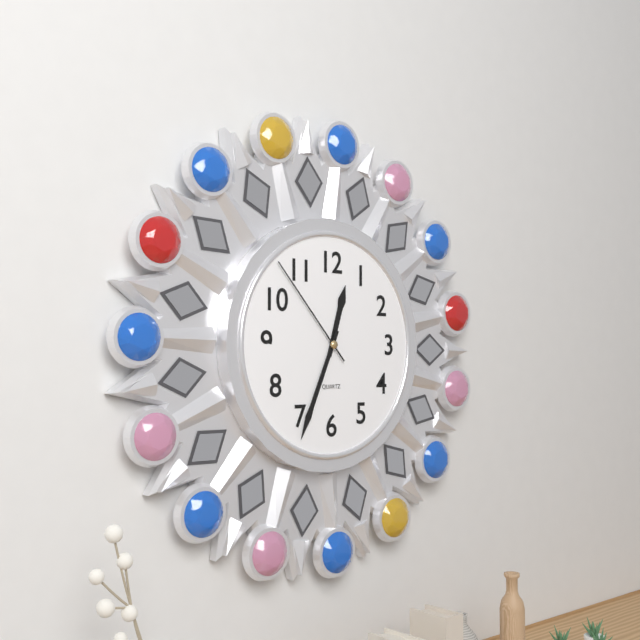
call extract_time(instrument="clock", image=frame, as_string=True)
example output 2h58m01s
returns 12h34m53s
